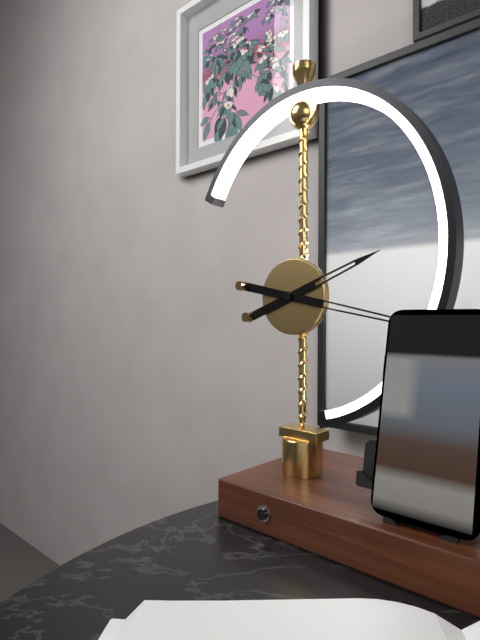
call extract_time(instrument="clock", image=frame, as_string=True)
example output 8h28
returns 2h17
